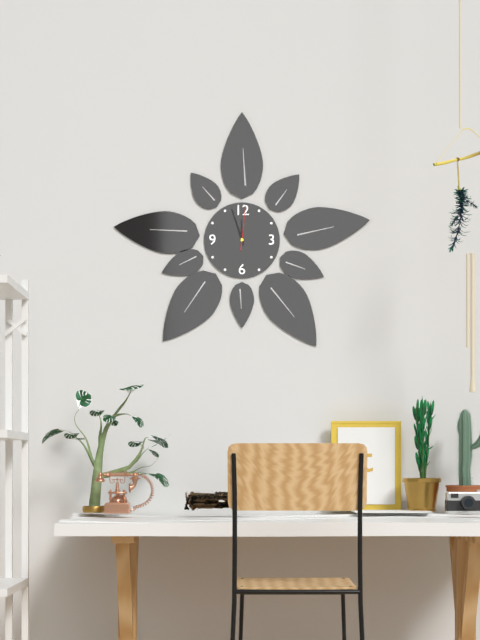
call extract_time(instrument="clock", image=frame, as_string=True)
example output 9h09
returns 11h57
